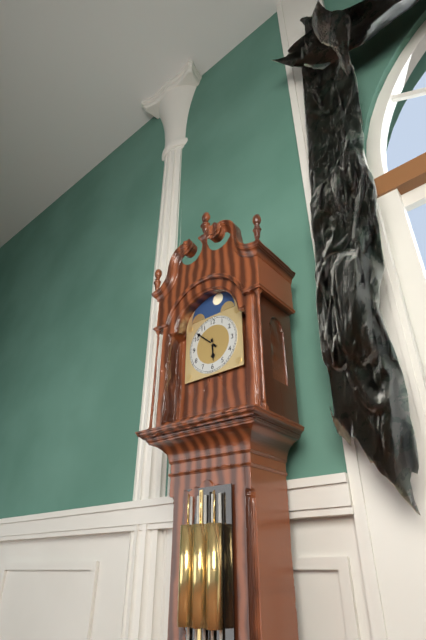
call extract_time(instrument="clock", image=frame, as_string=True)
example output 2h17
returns 5h52
